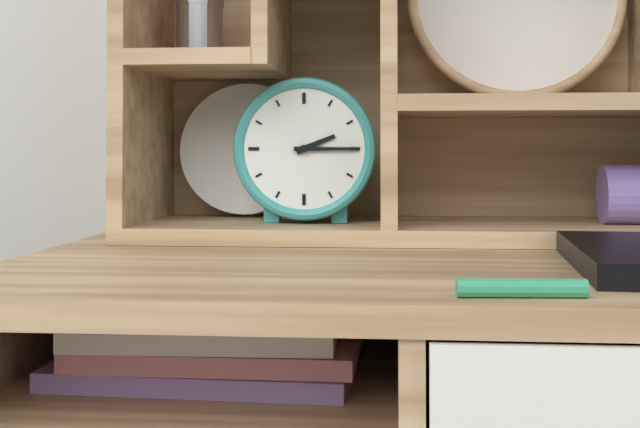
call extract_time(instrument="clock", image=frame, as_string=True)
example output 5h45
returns 2h15
